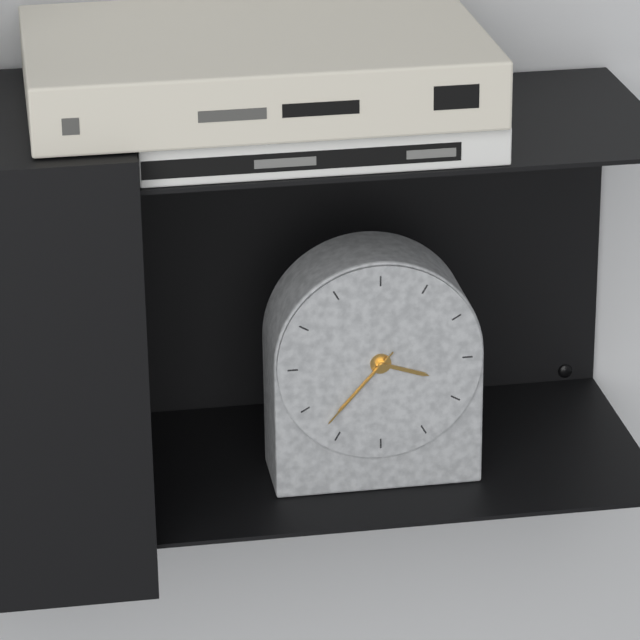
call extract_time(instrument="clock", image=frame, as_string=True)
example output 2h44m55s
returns 3h37m37s
